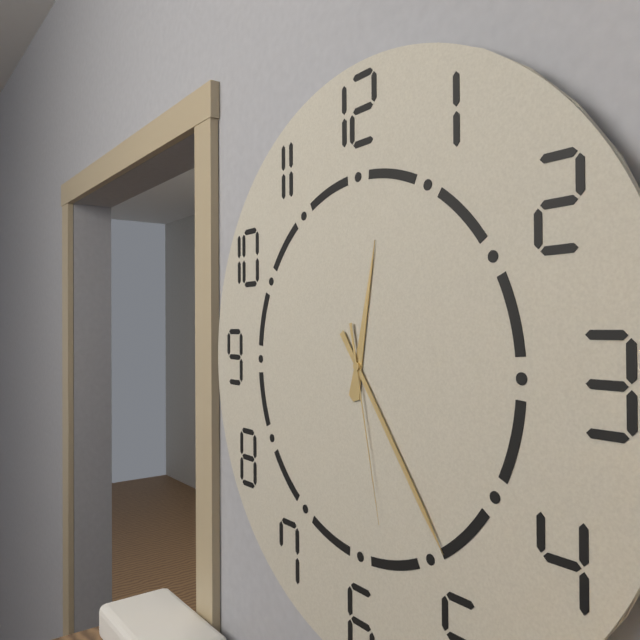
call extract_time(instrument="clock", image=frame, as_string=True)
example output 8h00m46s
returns 12h24m28s
